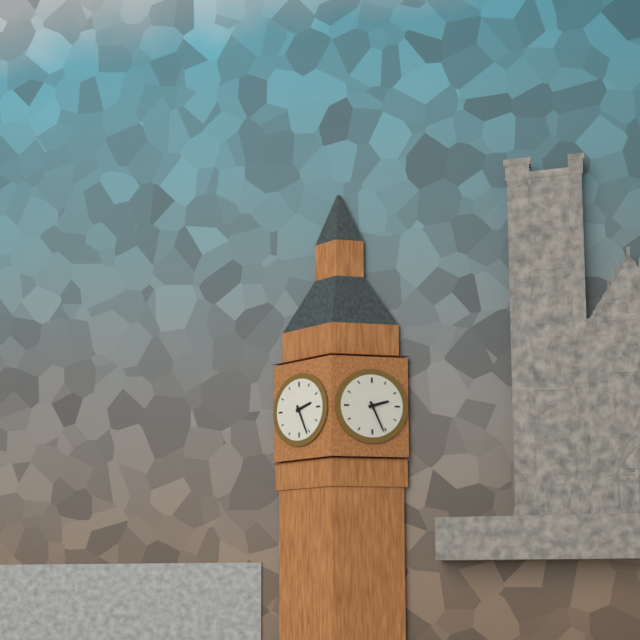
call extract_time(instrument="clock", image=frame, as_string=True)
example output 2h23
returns 2h26
